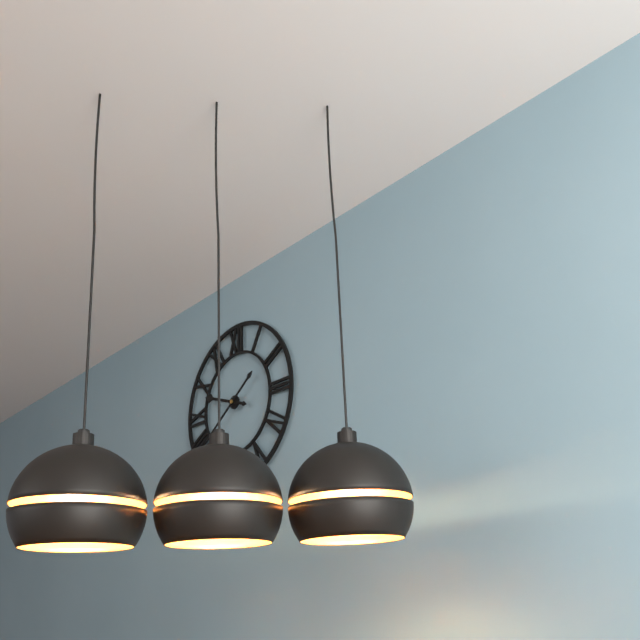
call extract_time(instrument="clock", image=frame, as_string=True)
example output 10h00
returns 9h39
